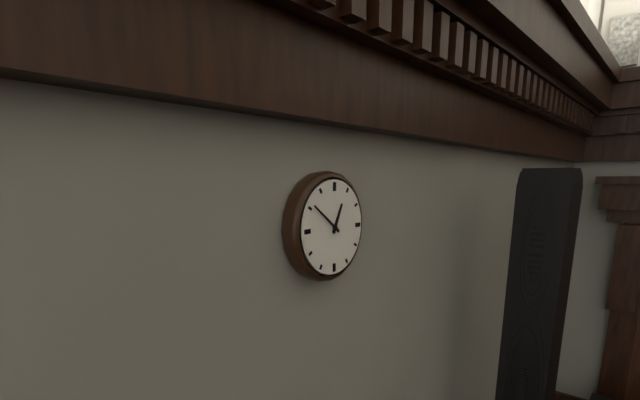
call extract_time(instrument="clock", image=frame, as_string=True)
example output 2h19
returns 12h51
